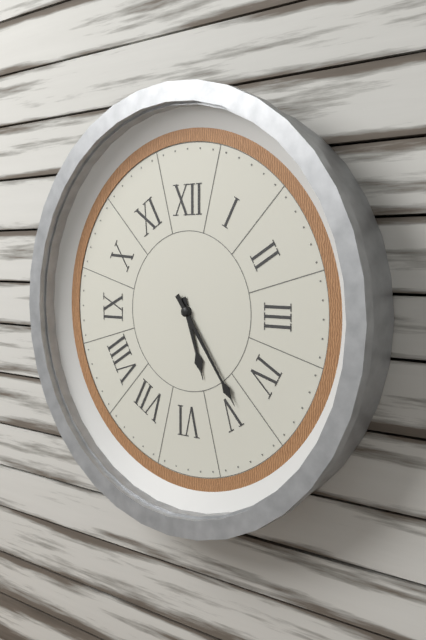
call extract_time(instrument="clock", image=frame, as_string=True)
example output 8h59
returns 5h24
